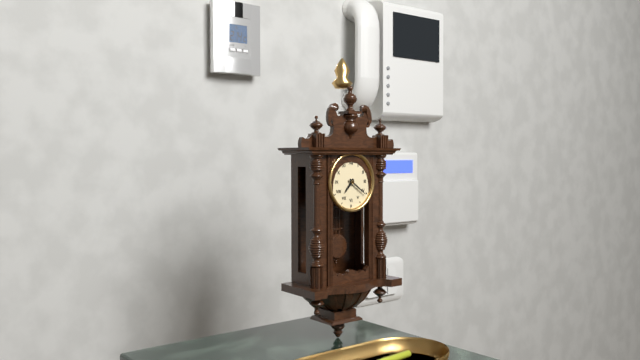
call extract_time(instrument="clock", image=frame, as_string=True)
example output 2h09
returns 7h21
